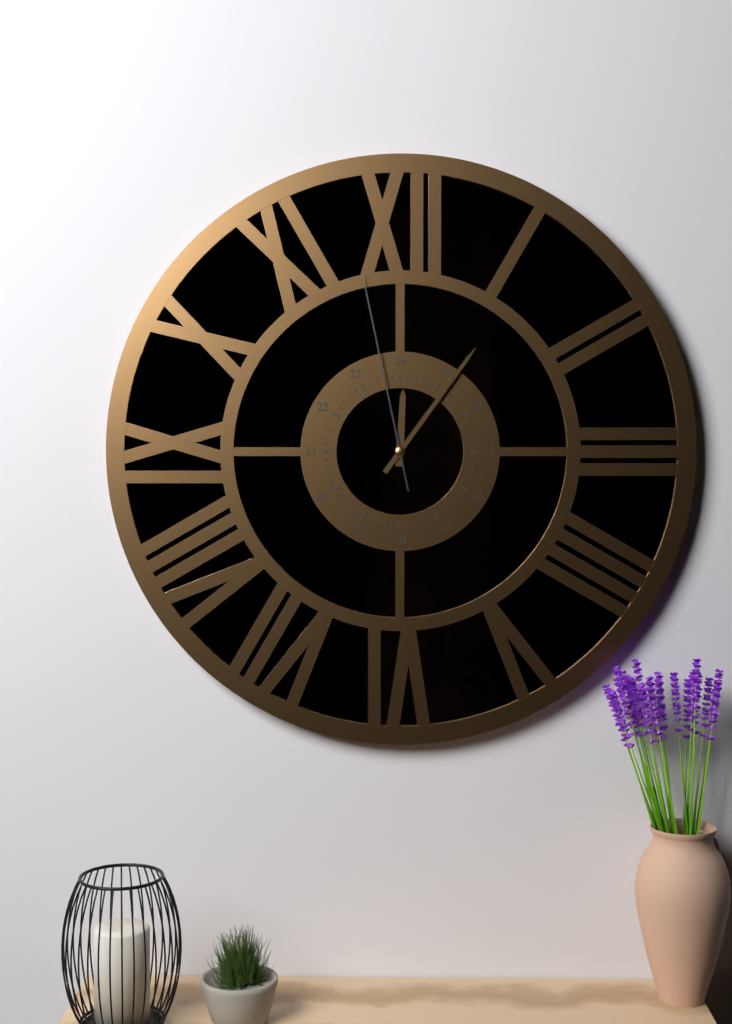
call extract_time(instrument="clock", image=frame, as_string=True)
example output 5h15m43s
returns 12h06m58s
